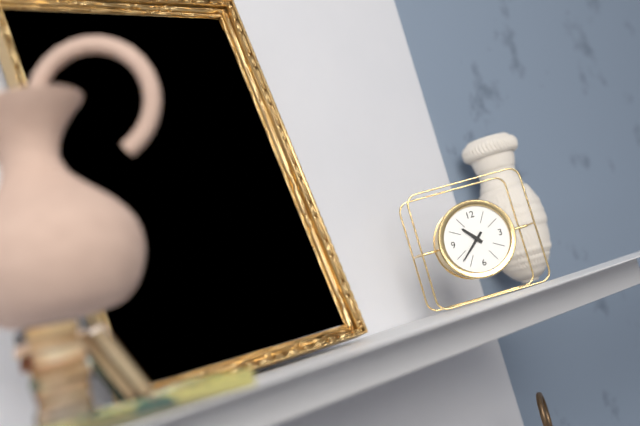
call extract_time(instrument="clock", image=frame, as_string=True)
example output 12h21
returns 10h38
